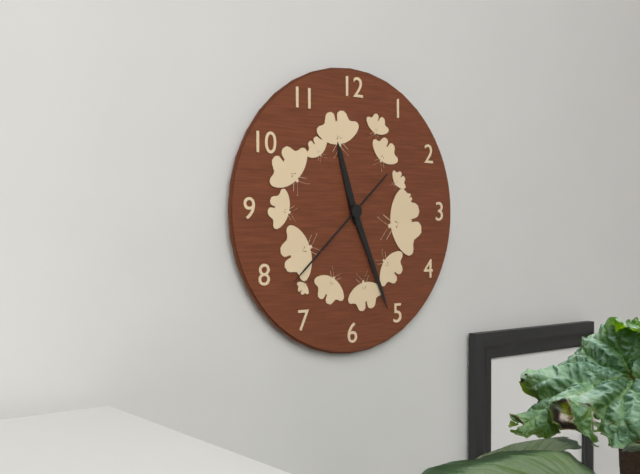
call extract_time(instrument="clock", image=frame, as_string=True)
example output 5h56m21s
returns 11h26m38s
